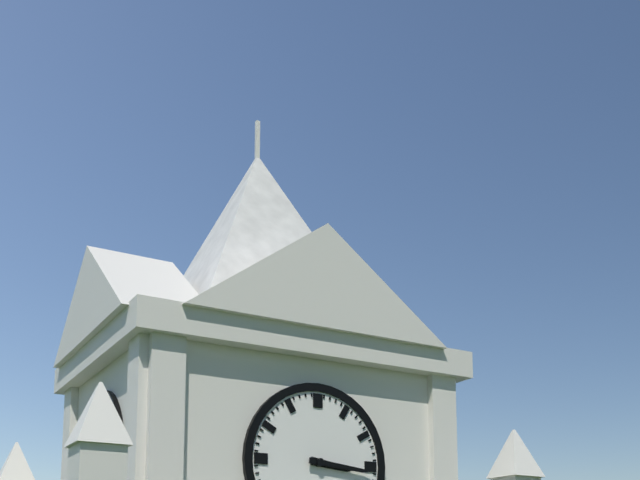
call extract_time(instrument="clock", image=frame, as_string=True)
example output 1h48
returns 3h16
